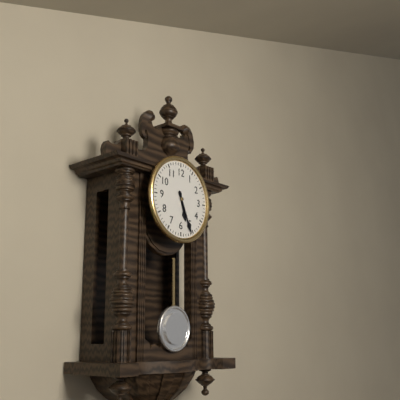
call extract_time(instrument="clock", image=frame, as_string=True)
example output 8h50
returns 5h26
